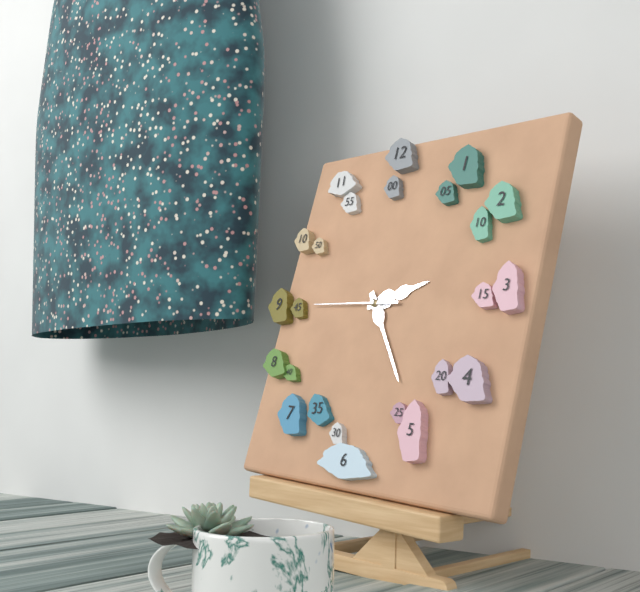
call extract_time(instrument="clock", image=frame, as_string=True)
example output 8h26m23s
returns 2h24m45s
